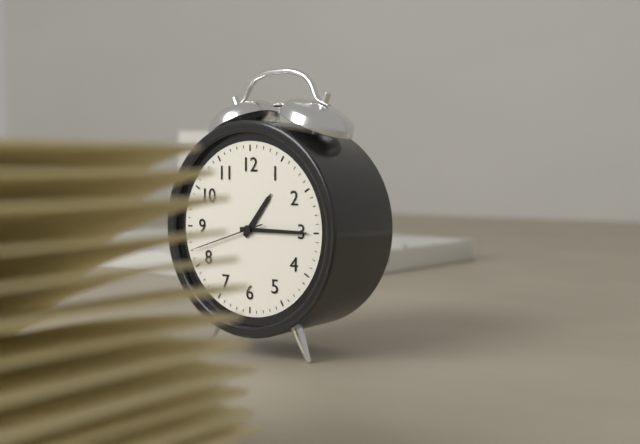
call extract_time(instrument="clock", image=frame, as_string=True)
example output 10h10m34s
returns 1h15m42s
